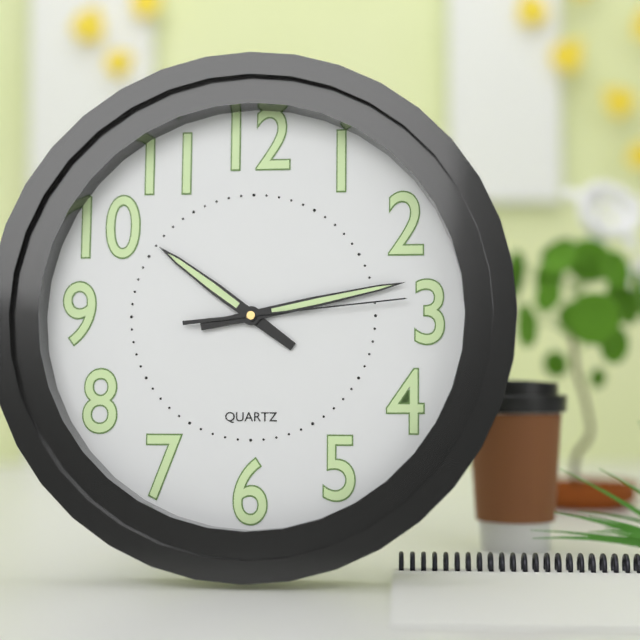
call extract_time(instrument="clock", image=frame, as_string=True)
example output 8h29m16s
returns 10h13m14s
